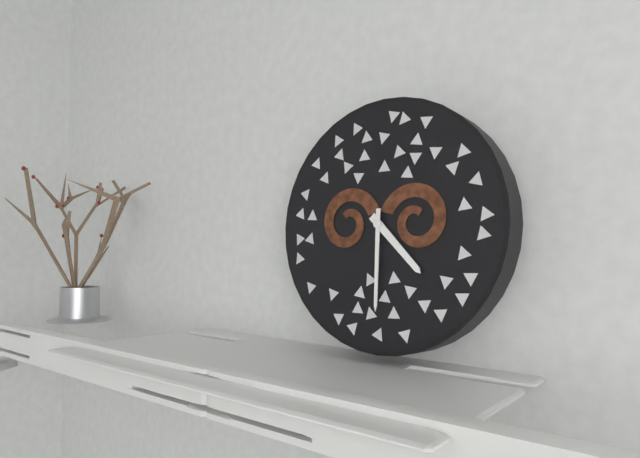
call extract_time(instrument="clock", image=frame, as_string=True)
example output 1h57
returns 4h30
